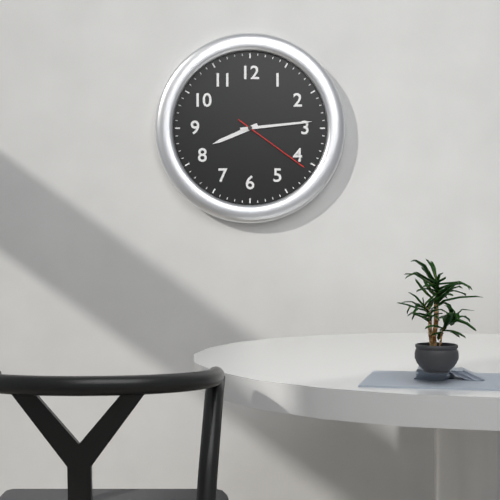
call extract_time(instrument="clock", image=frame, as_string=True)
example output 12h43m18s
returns 8h14m21s
